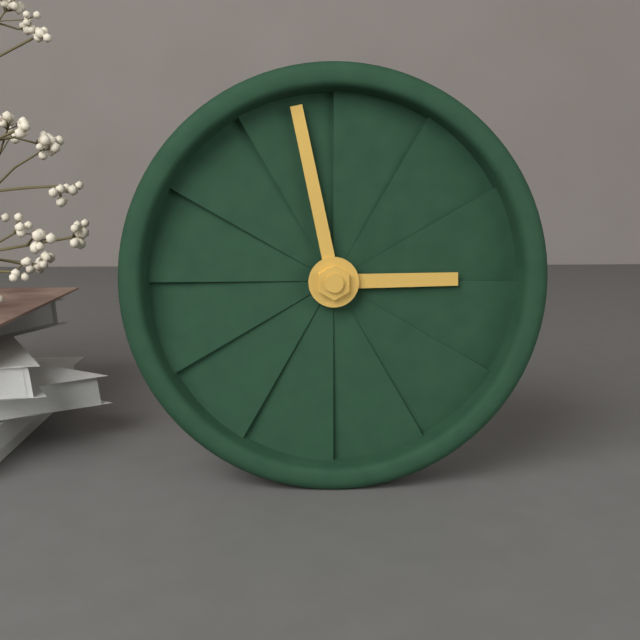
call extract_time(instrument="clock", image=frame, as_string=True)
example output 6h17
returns 2h58
